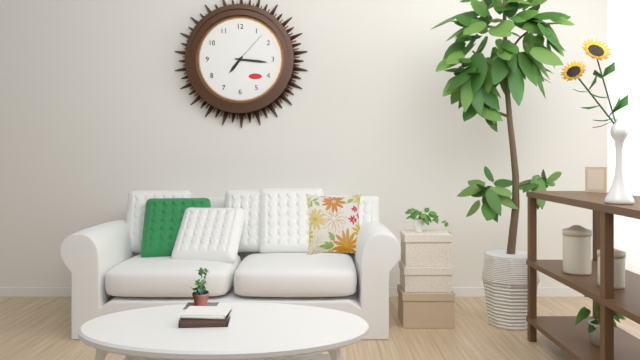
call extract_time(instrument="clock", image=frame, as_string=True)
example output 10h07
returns 7h16
